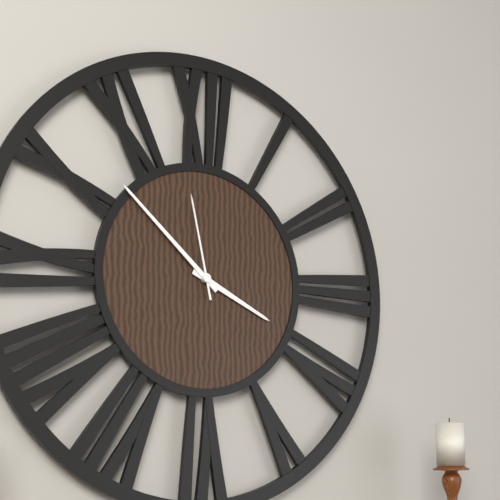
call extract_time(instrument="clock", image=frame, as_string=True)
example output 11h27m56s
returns 3h52m58s
